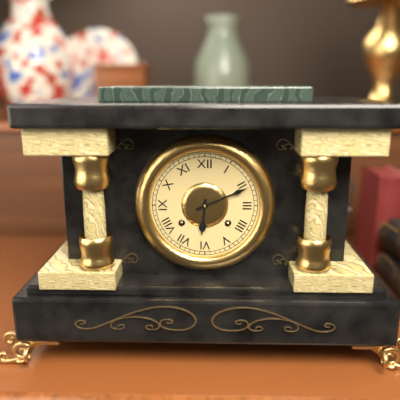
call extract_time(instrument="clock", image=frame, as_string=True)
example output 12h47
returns 6h11
